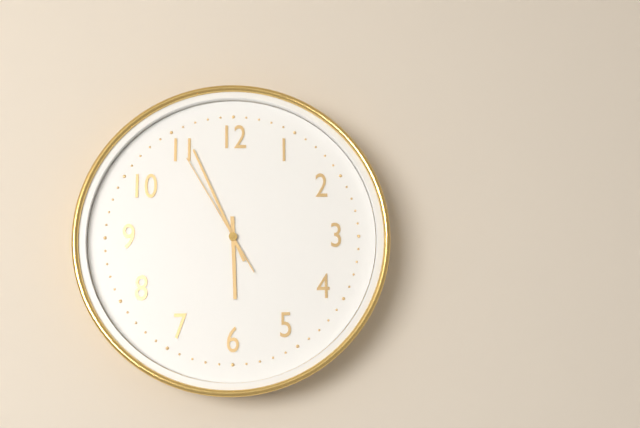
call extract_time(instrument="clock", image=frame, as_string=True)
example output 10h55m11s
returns 5h56m55s
